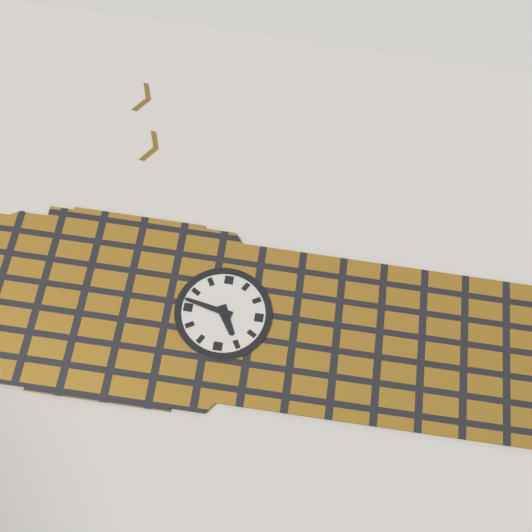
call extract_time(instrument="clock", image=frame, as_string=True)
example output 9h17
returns 8h02
